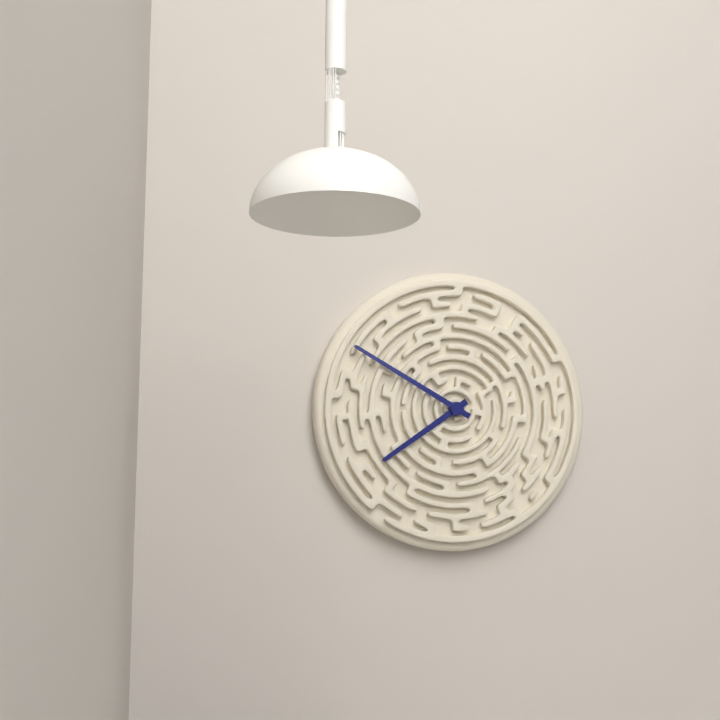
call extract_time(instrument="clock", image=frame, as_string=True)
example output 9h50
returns 7h50
